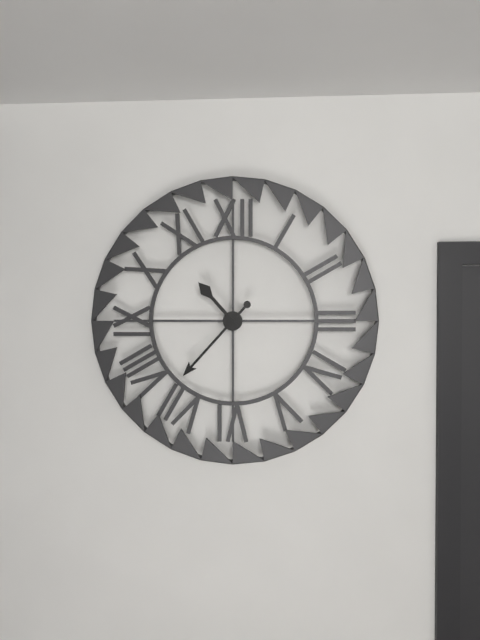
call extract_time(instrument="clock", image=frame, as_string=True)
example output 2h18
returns 10h37
